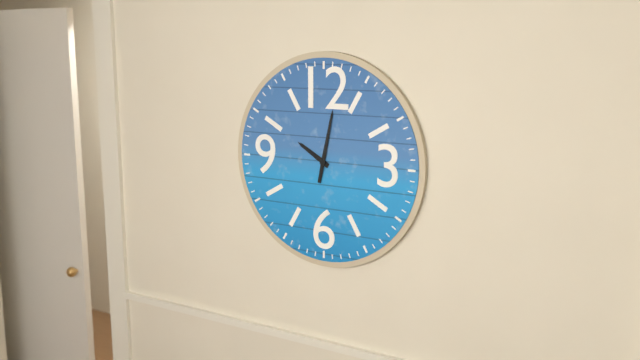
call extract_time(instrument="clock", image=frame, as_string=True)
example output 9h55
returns 10h02
